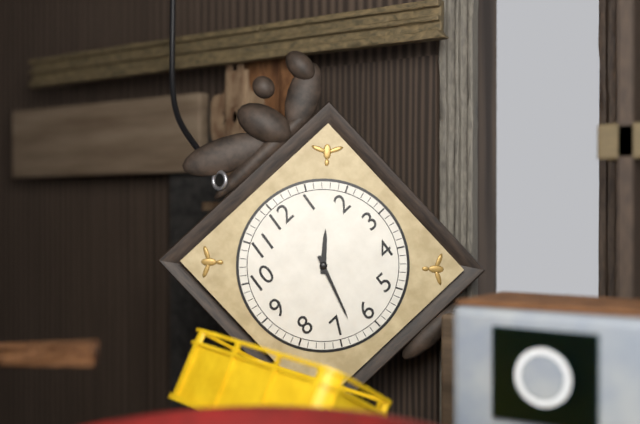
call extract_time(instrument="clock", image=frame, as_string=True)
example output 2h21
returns 1h33
